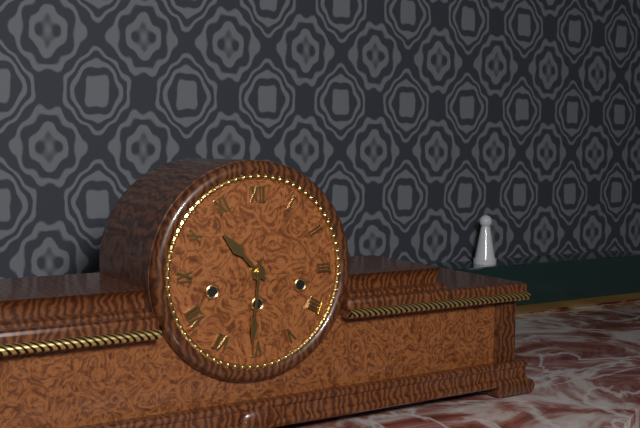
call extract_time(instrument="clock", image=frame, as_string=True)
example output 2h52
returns 10h31
